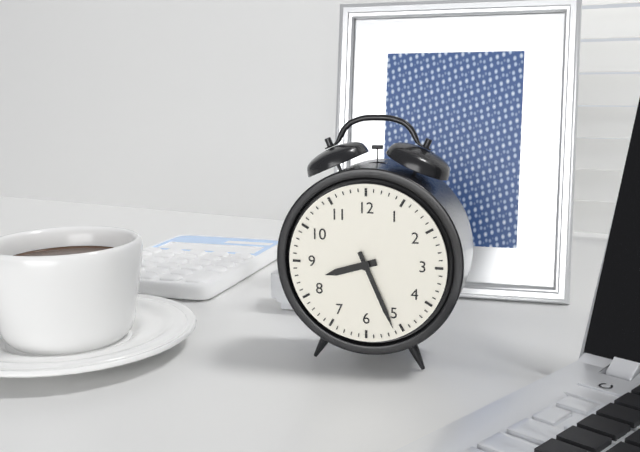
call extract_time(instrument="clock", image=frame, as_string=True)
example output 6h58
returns 8h26
